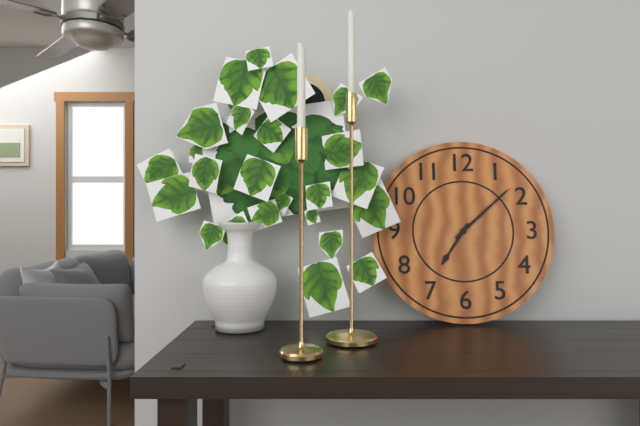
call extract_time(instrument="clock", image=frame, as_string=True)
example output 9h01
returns 7h08
